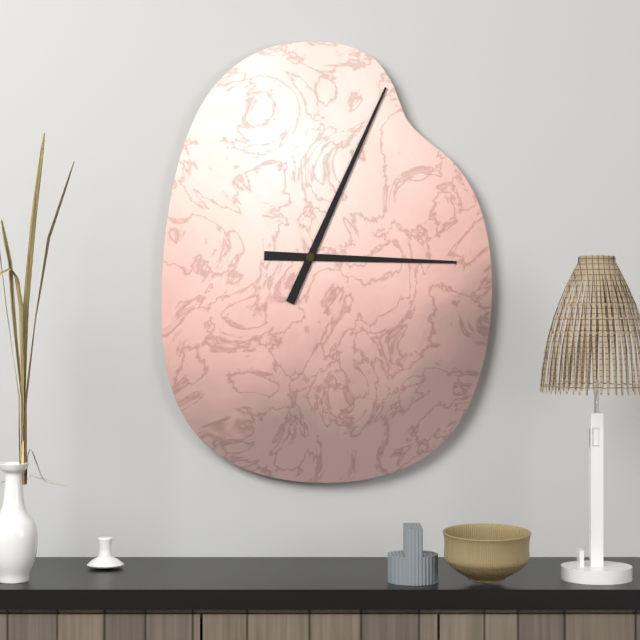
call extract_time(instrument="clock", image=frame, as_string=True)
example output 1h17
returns 3h04
